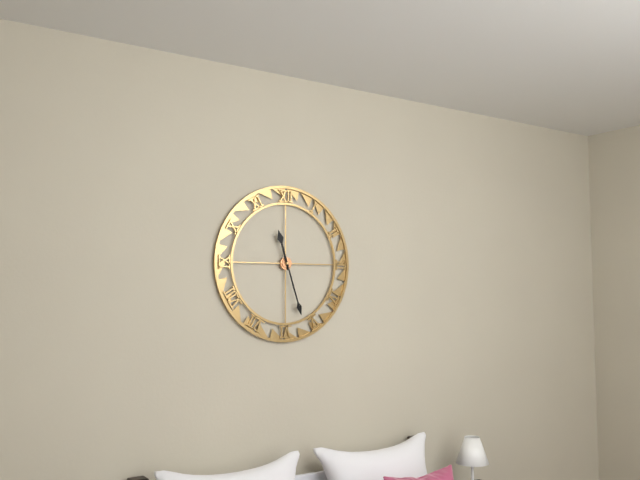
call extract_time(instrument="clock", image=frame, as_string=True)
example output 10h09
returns 11h27
